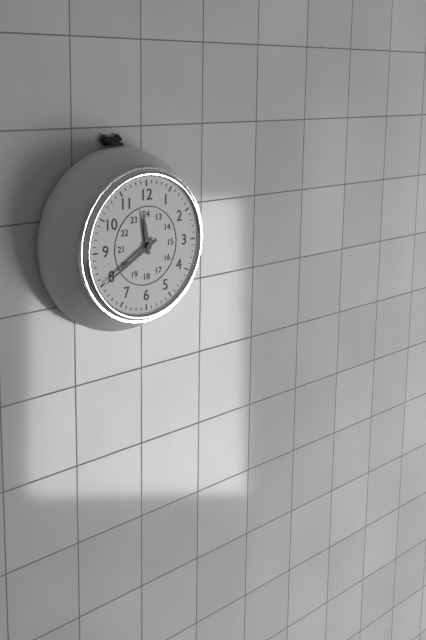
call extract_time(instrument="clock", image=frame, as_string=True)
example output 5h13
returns 11h40
